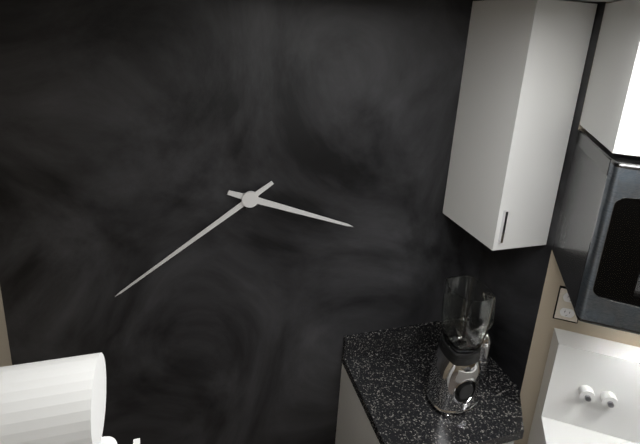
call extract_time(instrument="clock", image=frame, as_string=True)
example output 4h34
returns 3h39
